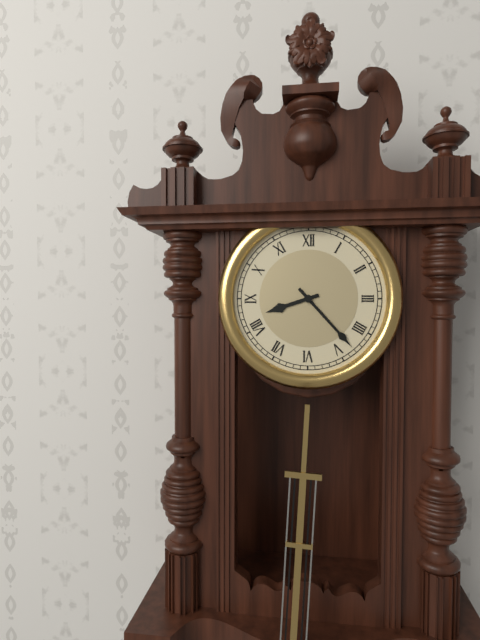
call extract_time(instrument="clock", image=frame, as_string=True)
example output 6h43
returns 8h23
